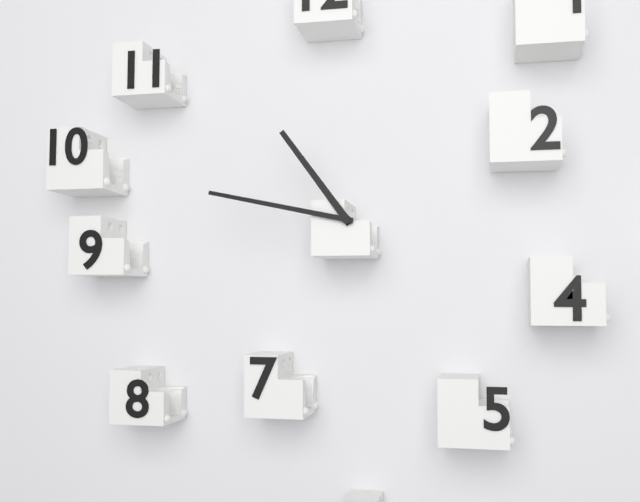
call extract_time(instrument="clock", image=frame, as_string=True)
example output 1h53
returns 10h47
